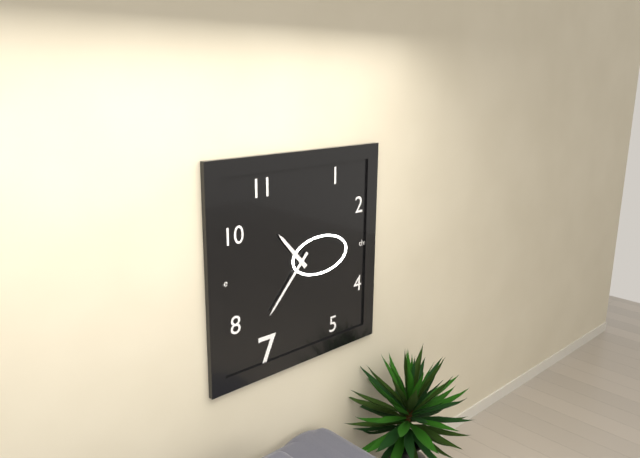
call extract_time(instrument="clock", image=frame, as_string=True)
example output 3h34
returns 10h37
